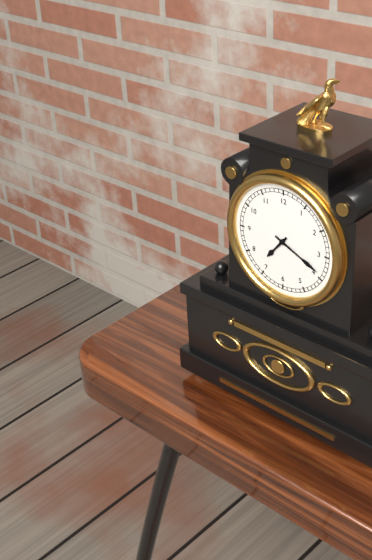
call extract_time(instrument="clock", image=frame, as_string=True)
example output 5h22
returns 7h19
